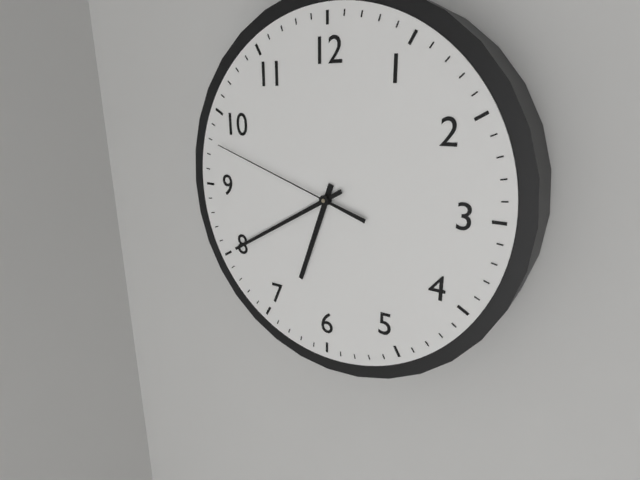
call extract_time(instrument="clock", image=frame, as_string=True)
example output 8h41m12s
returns 6h40m48s
